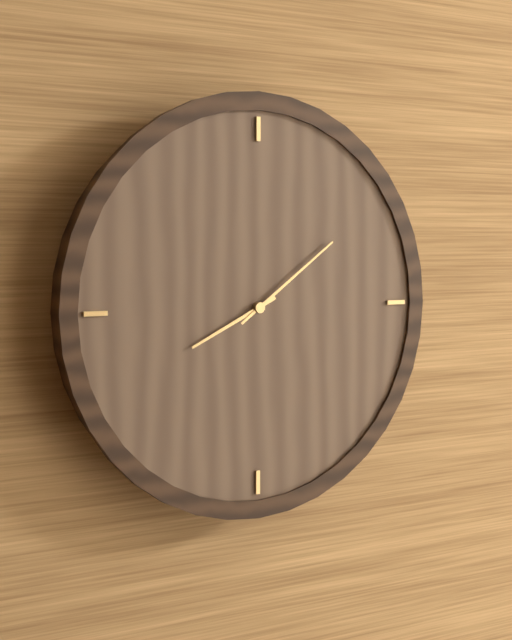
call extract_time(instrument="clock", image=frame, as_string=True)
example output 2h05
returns 8h09
